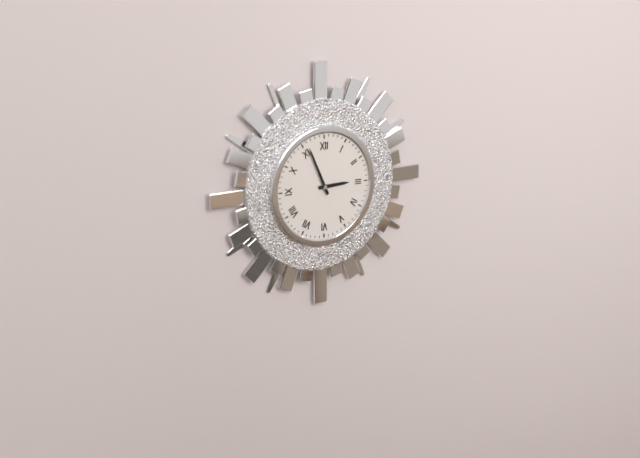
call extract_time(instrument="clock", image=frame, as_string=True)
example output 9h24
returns 2h56
